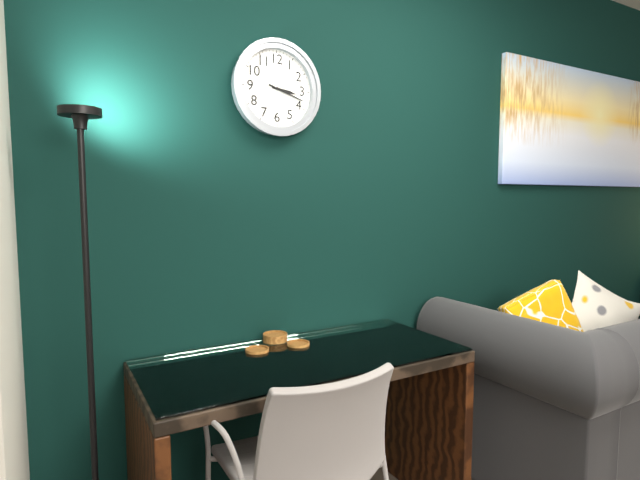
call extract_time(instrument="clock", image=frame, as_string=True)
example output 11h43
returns 3h18
